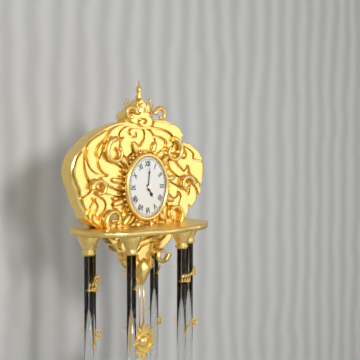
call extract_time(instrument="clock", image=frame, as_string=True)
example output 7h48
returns 5h01
